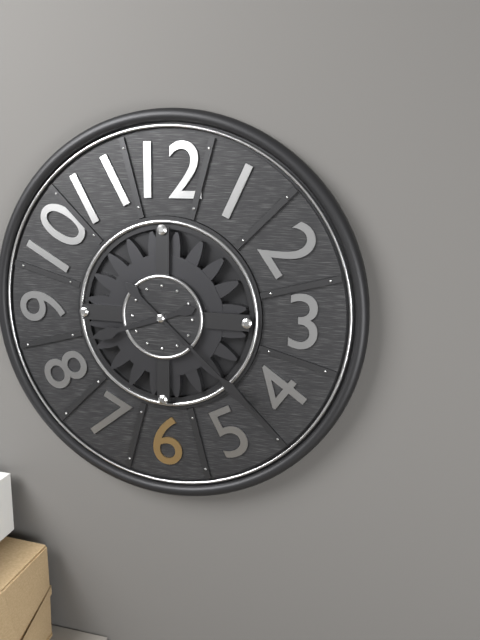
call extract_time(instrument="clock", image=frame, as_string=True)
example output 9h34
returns 8h22
